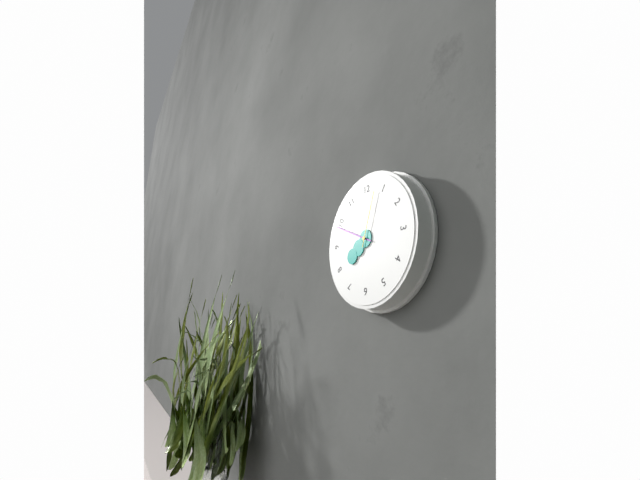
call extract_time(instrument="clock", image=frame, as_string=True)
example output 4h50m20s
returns 7h49m03s
